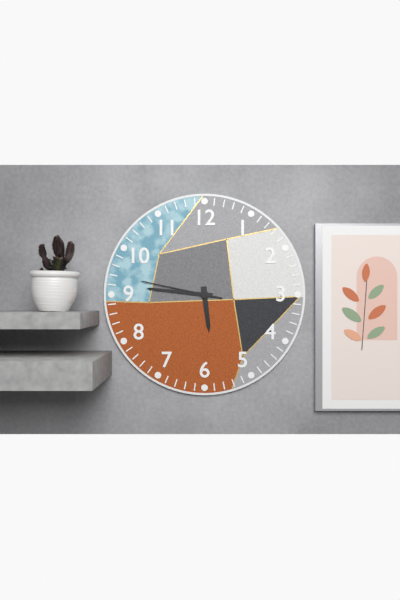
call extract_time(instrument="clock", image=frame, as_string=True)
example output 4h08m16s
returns 5h46m47s
